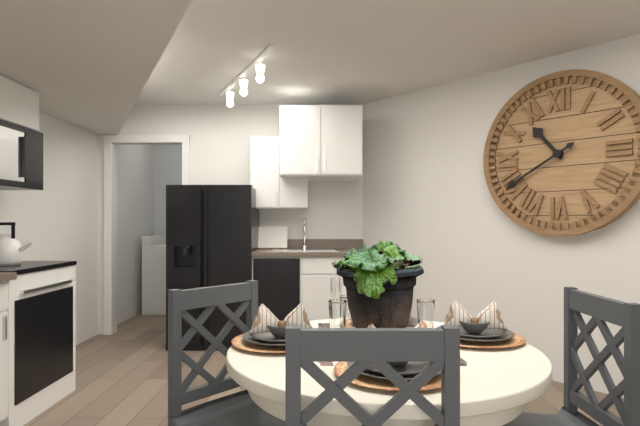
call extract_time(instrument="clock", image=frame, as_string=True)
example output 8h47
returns 10h40
